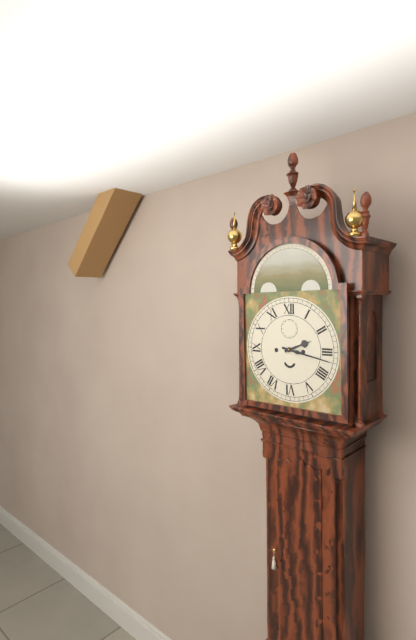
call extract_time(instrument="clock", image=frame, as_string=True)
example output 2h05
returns 2h17
